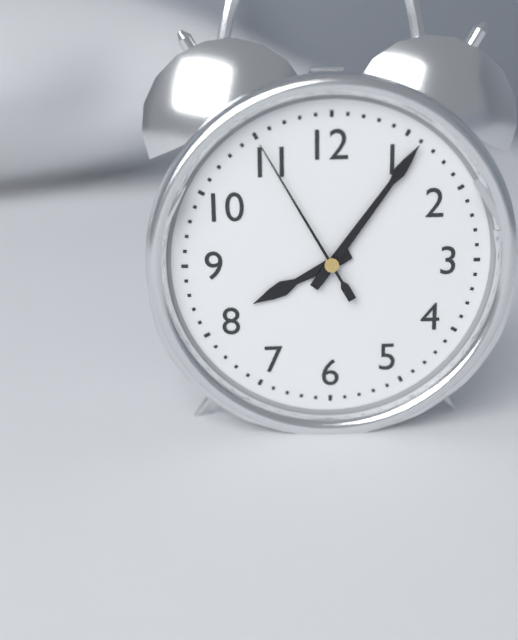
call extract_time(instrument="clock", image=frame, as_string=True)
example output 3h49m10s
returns 8h06m55s
